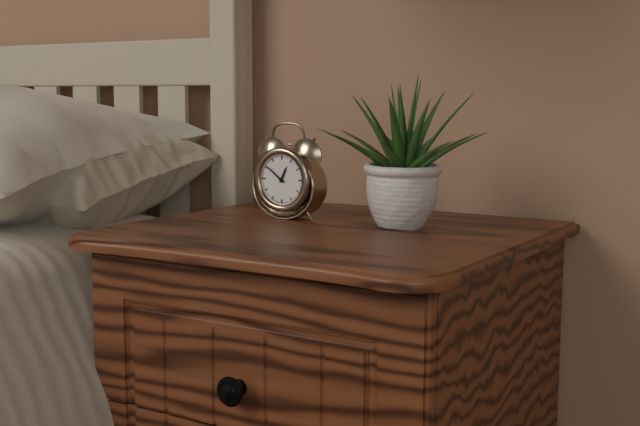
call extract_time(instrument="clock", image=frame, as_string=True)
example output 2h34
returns 12h51
